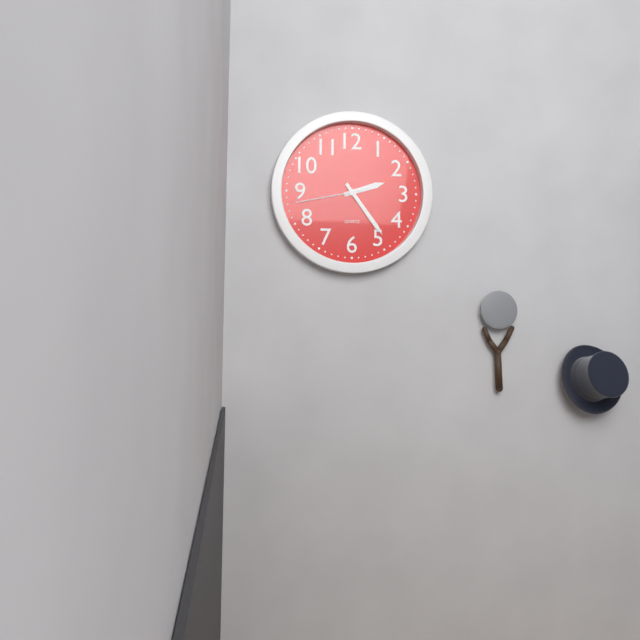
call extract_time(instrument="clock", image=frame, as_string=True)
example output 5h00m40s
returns 2h24m43s
